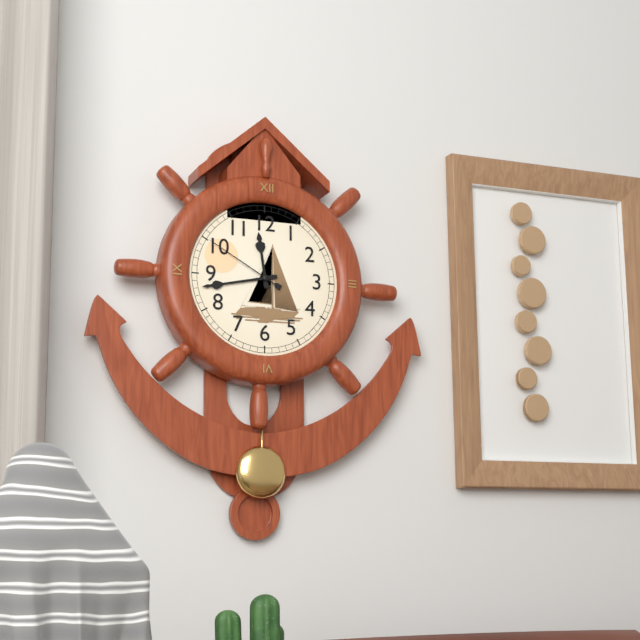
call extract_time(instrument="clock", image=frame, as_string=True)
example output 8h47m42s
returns 11h43m50s
